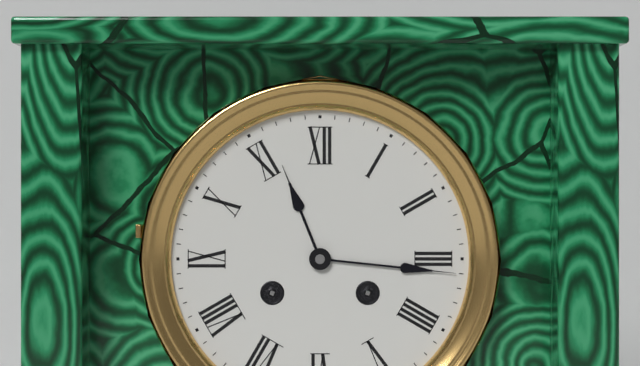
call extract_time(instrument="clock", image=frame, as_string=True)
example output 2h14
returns 11h16
